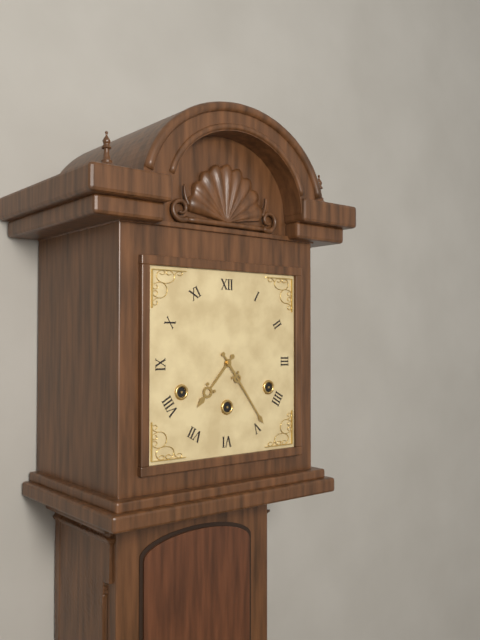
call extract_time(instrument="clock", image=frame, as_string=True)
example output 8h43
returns 7h24
